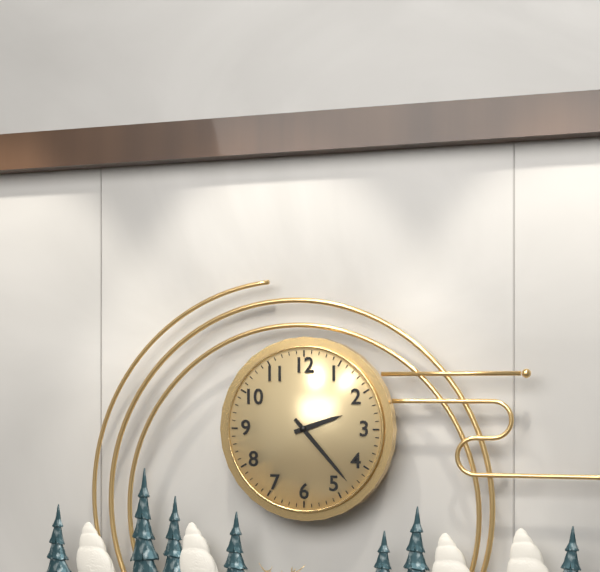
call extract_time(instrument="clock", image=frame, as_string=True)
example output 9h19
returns 2h23
